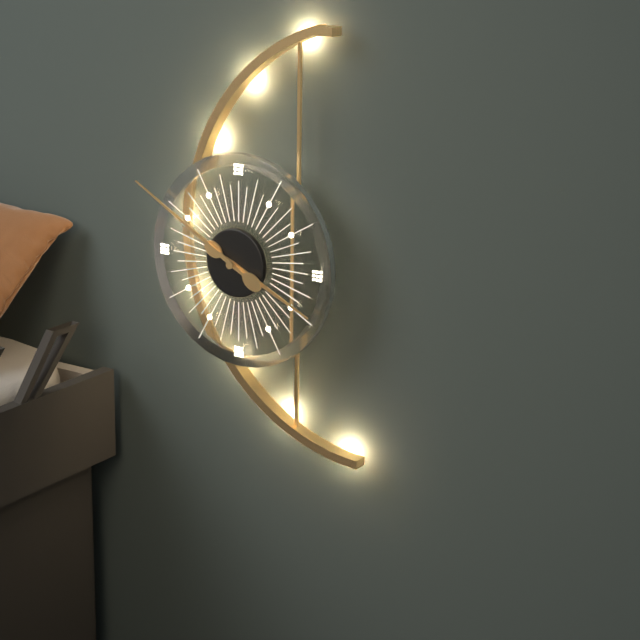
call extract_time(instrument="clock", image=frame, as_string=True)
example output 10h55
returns 3h50
